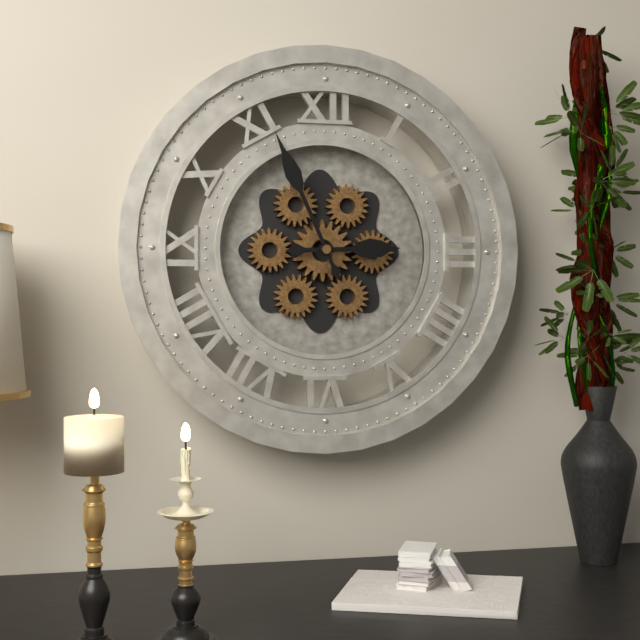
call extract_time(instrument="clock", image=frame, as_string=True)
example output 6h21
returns 2h56
